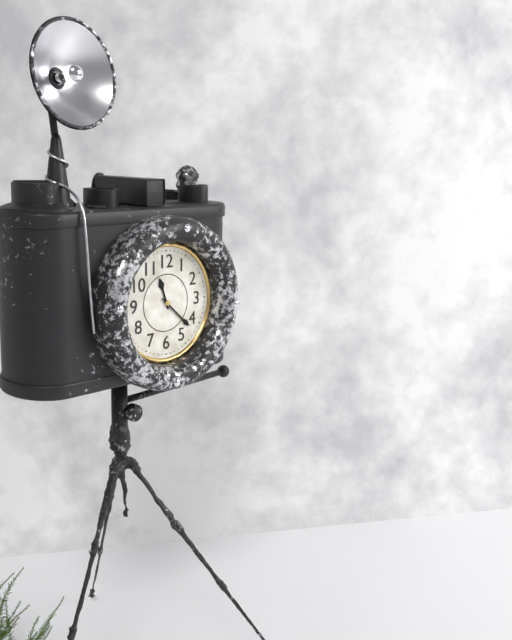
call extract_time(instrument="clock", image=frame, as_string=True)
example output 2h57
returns 11h22
